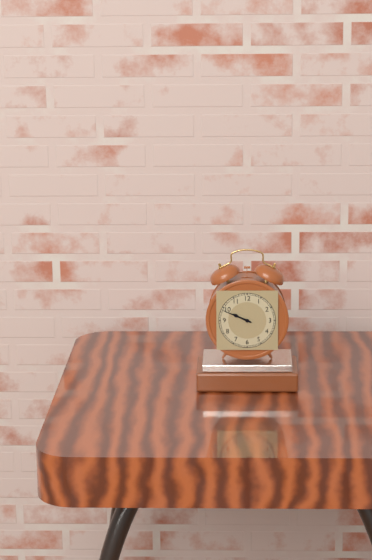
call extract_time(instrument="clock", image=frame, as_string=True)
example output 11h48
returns 9h49
